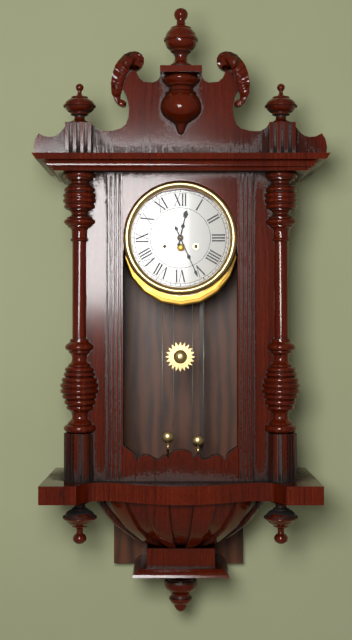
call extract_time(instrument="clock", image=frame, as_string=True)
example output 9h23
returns 12h26
